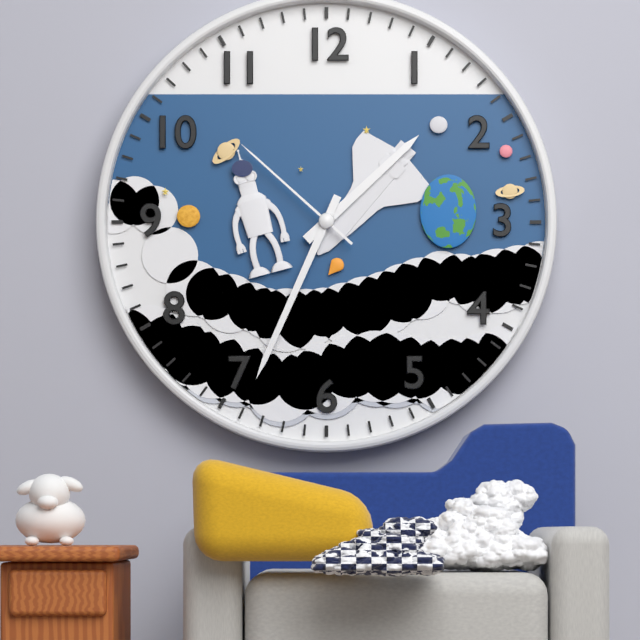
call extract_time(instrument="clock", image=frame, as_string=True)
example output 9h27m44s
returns 1h34m52s
